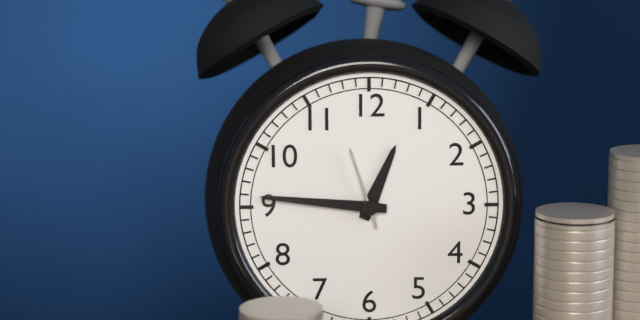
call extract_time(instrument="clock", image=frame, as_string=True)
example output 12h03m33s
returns 12h46m57s
